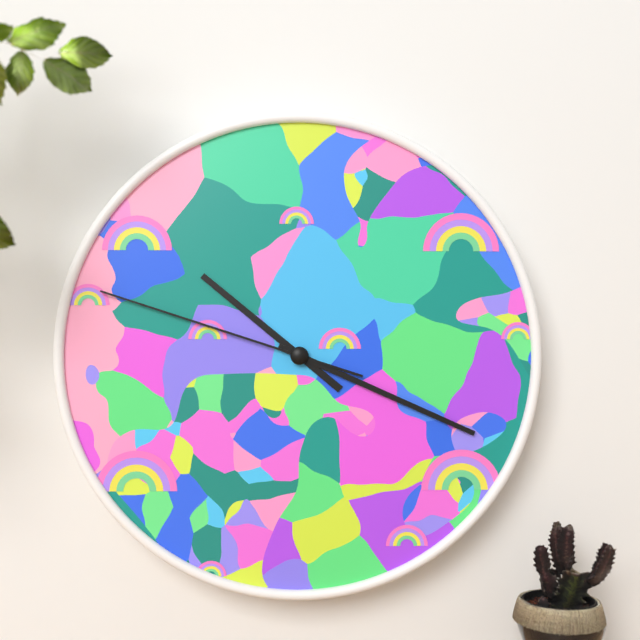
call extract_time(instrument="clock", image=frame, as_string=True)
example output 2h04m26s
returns 10h19m48s
